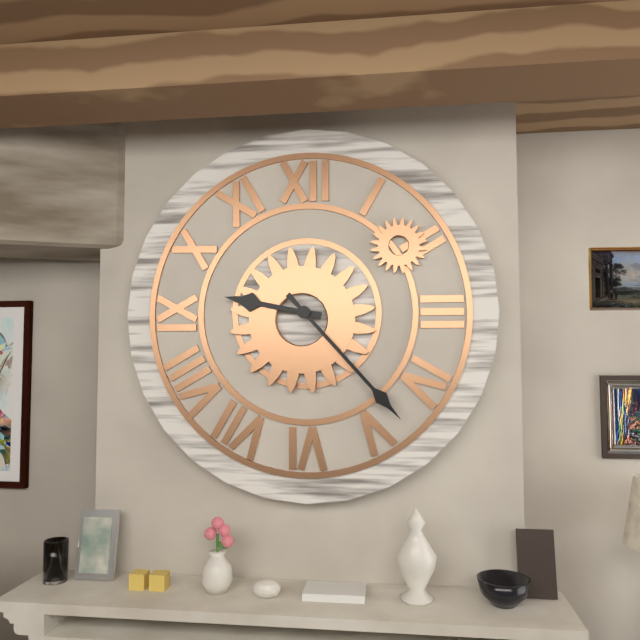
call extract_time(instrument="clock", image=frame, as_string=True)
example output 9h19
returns 9h23
